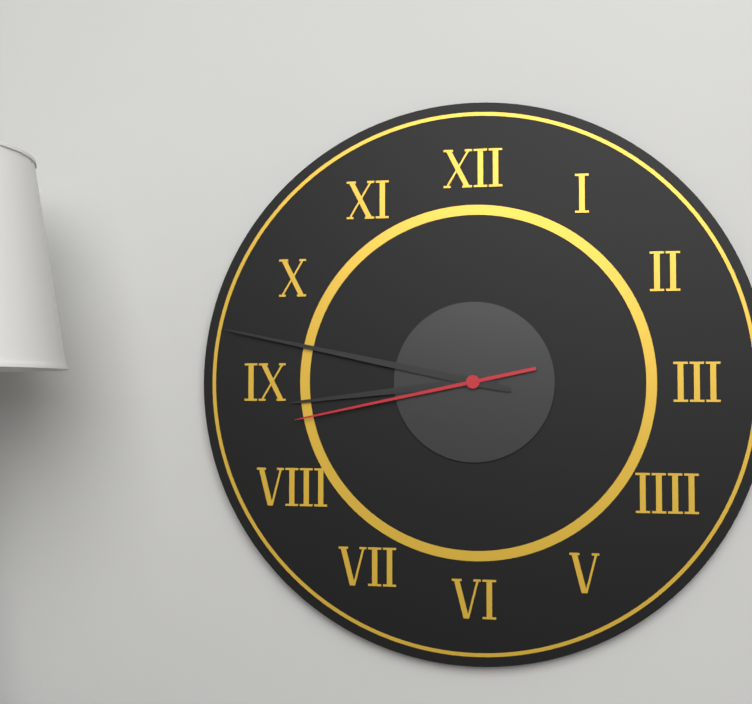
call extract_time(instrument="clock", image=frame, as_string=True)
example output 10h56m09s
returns 8h47m43s
